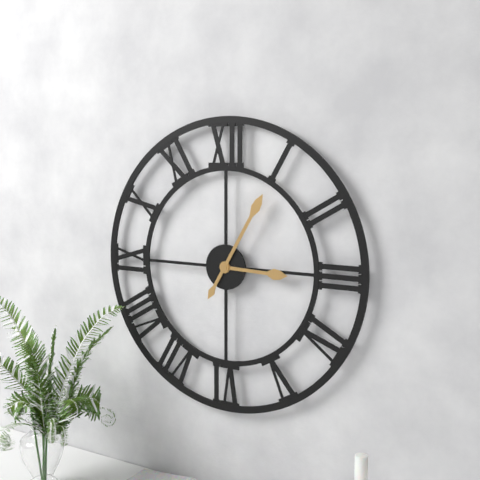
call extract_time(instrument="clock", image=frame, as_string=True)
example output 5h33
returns 3h05
